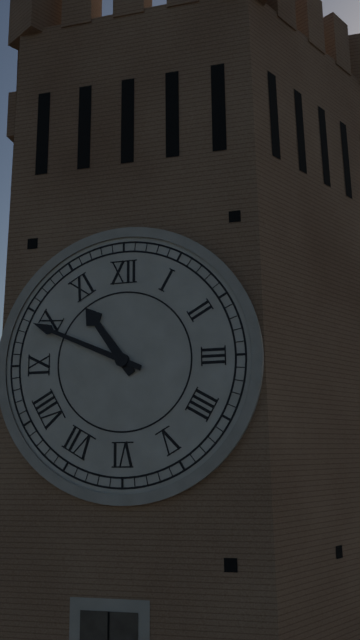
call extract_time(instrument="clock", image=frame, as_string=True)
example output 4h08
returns 10h49
